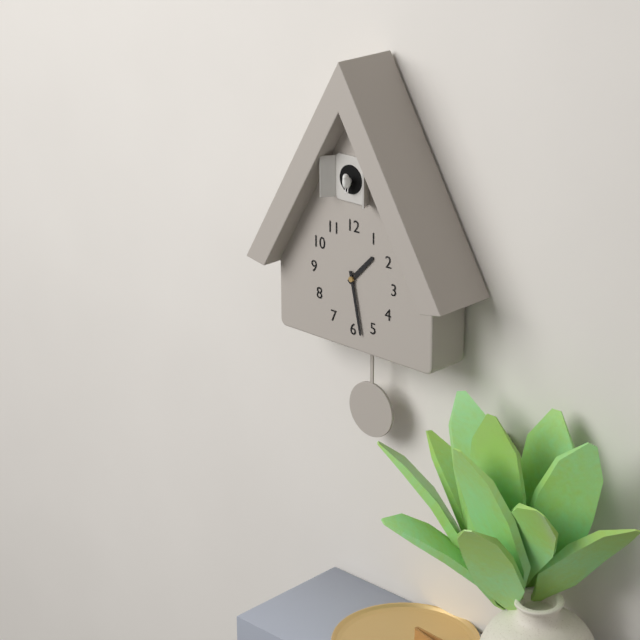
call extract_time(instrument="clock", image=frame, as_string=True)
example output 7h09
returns 1h28
